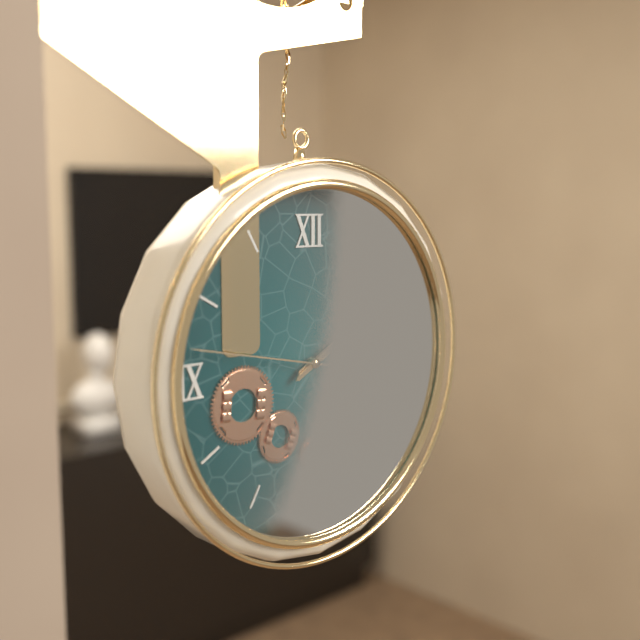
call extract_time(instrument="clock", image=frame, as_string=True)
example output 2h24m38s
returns 2h10m47s
